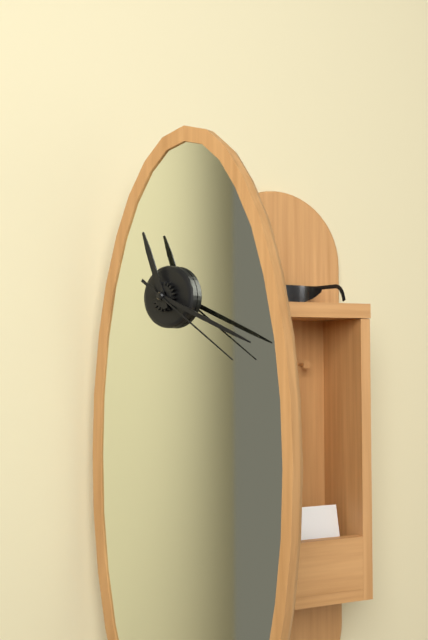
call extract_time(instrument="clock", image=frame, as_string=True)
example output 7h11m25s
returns 11h19m21s
